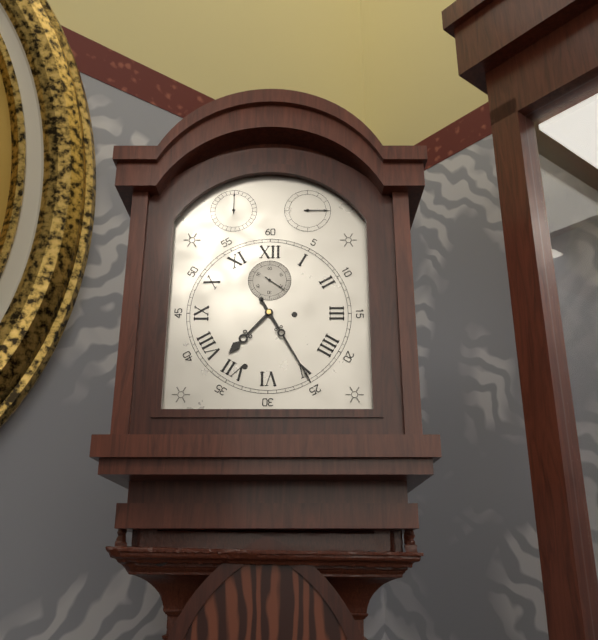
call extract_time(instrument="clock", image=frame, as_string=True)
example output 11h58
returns 7h25
